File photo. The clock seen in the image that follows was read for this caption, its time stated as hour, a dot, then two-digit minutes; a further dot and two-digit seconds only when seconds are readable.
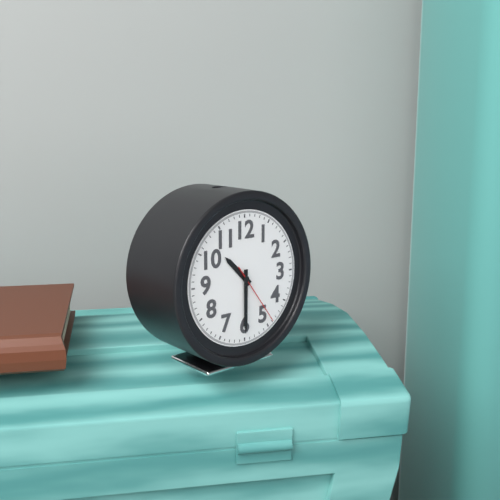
10.30.24
